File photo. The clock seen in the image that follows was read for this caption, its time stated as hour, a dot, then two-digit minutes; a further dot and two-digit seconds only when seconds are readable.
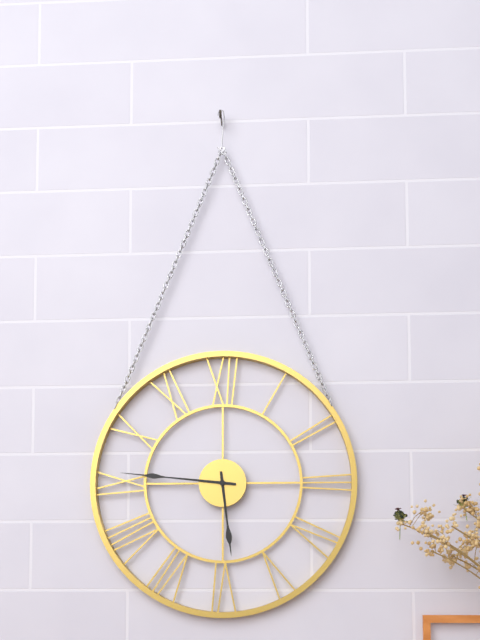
5.46
